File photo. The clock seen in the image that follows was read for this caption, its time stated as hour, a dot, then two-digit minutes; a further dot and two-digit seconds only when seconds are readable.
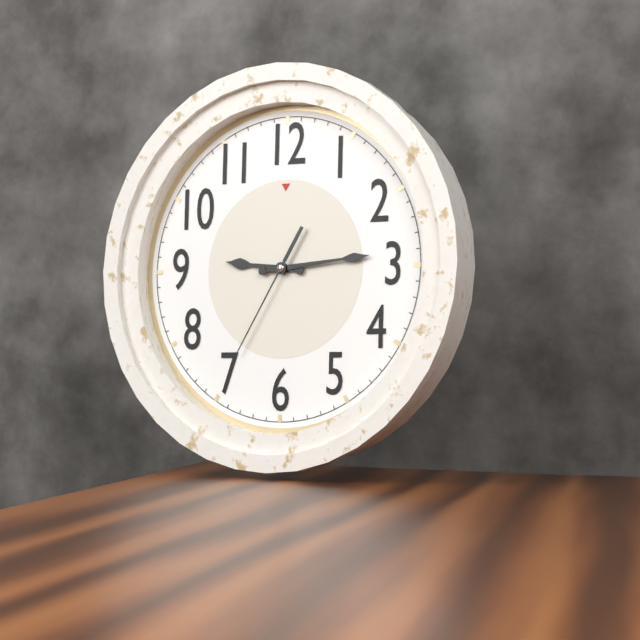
9.14.35
